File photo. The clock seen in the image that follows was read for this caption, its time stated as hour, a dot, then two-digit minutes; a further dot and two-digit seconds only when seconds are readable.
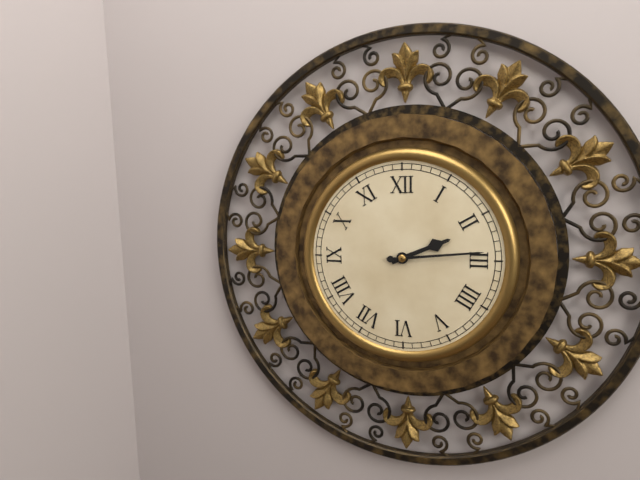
2.14
